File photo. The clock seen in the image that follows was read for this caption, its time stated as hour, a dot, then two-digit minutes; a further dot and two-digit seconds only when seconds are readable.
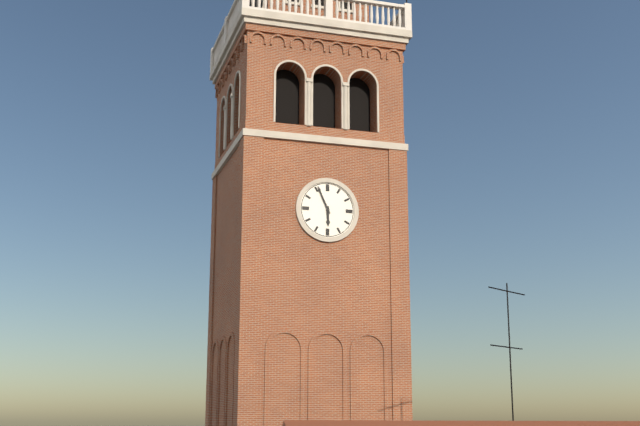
5.56
